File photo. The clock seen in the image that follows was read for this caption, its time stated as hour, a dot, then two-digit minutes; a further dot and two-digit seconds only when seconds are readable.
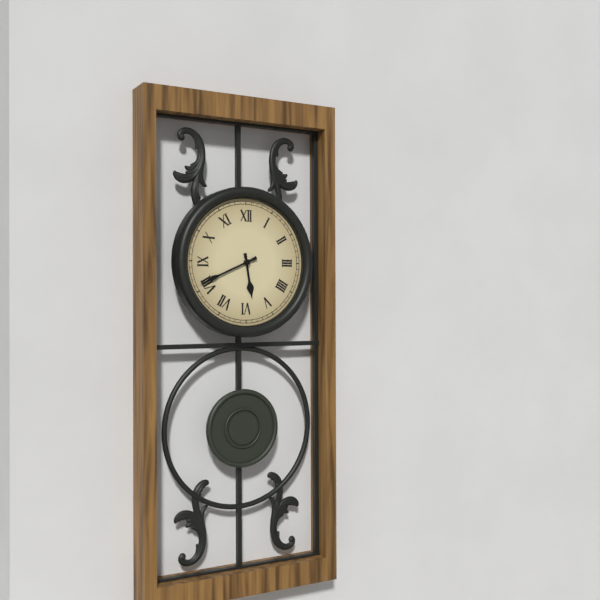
5.41
